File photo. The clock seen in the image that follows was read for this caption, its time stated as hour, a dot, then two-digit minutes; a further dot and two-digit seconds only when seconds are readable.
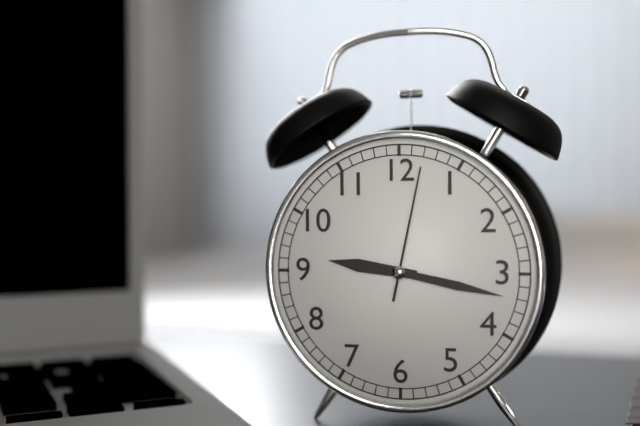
9.17.02
